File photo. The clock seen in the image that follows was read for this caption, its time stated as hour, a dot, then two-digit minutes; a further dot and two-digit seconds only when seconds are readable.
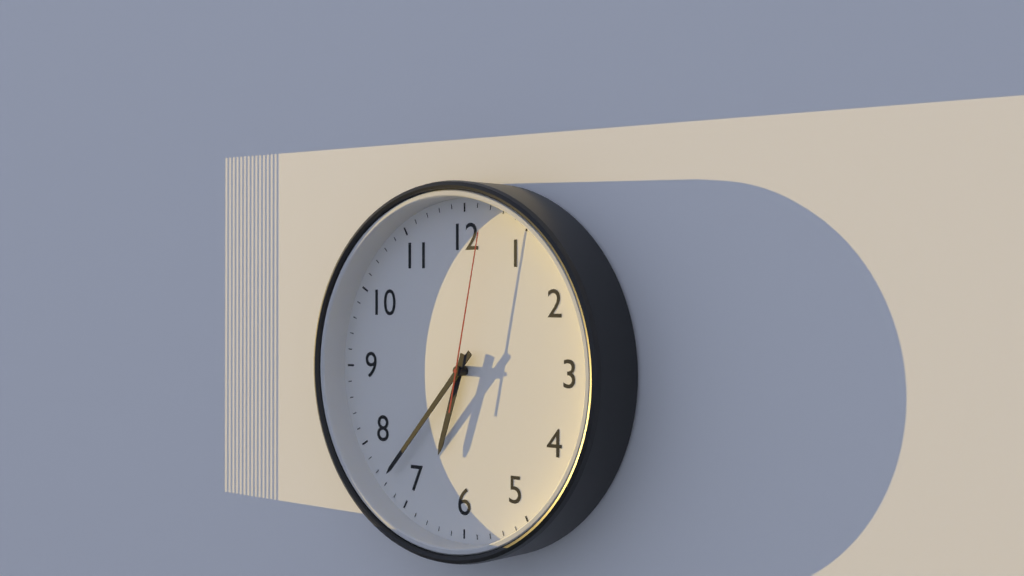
6.37.02
